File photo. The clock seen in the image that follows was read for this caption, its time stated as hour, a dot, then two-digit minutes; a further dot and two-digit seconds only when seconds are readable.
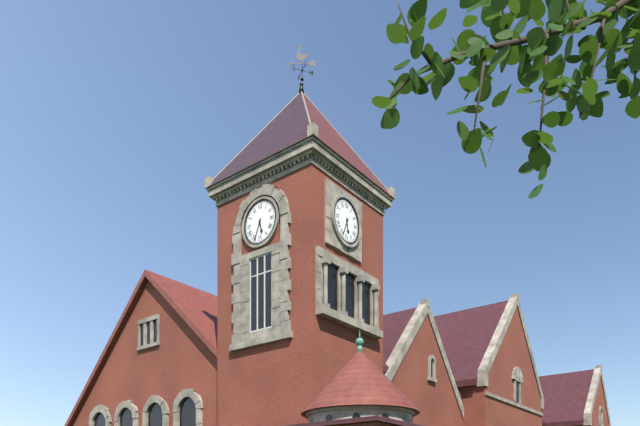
5.34
